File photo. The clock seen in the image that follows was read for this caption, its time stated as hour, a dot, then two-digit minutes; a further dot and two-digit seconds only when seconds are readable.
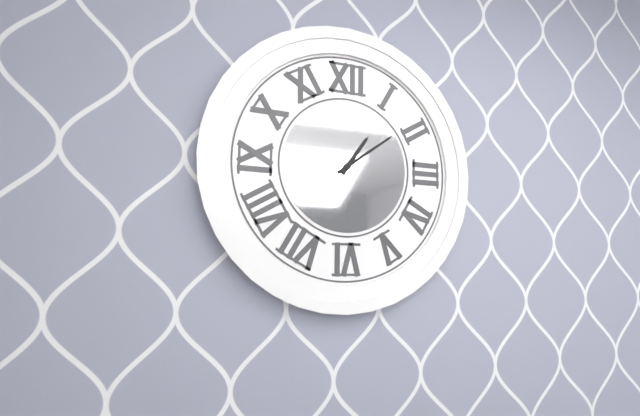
1.09
